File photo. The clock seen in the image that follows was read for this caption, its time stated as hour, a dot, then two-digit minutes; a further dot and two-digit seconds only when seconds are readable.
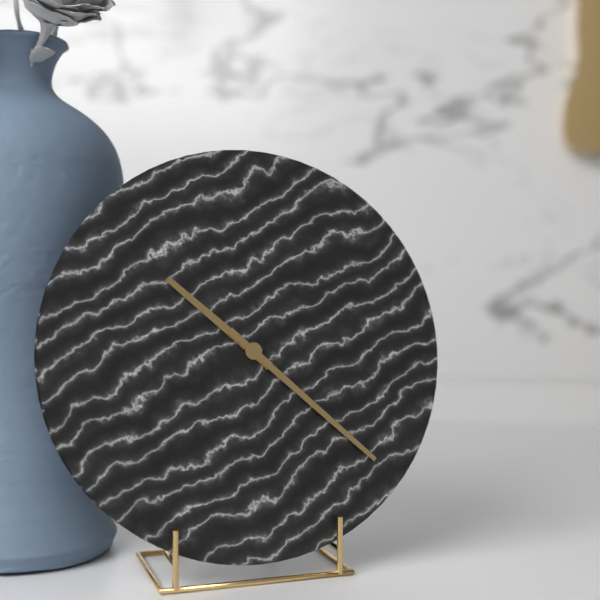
10.22
